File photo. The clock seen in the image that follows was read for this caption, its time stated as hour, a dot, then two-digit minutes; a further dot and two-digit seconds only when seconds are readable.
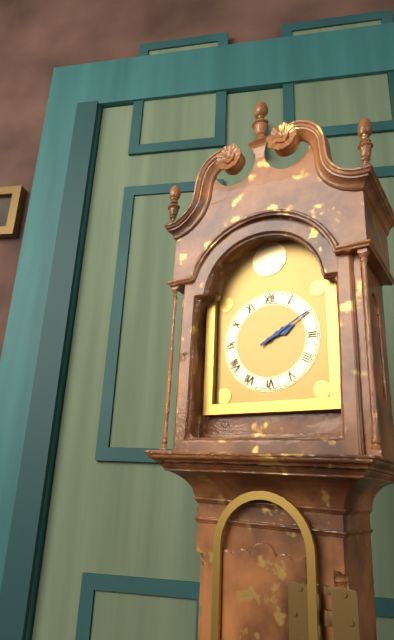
2.10
